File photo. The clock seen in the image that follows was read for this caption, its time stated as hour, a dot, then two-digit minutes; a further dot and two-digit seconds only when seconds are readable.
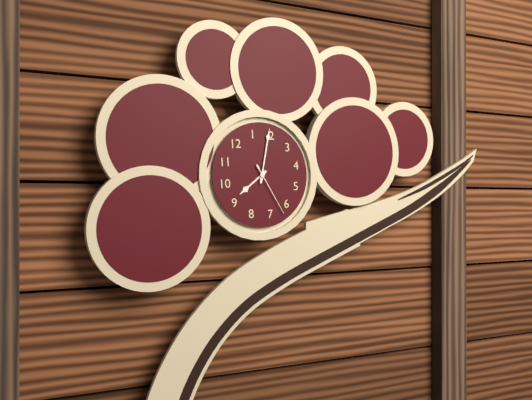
9.09.32
